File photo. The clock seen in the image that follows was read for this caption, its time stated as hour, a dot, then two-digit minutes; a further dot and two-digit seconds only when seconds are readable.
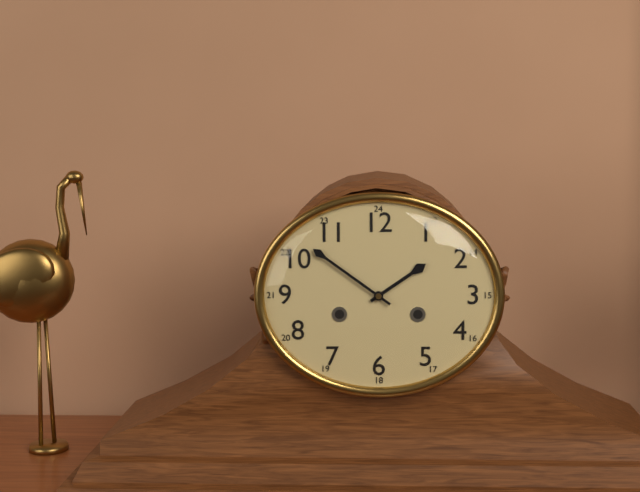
1.51
